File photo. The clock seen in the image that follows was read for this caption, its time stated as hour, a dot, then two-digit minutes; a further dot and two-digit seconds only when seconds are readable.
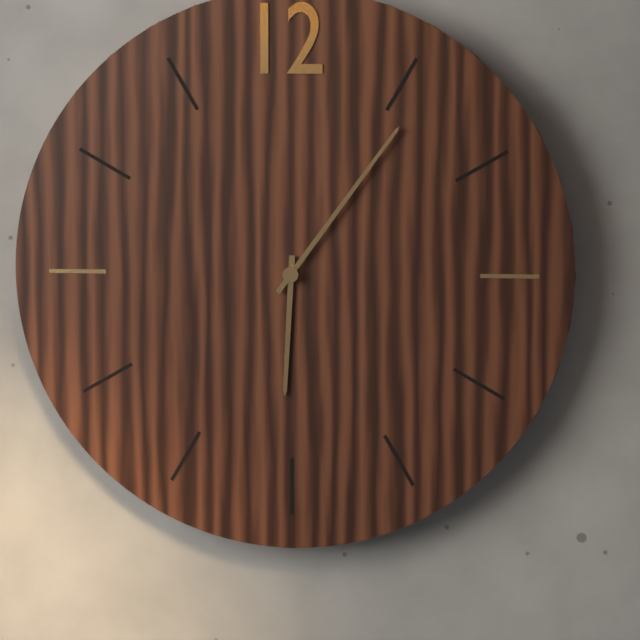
6.06
